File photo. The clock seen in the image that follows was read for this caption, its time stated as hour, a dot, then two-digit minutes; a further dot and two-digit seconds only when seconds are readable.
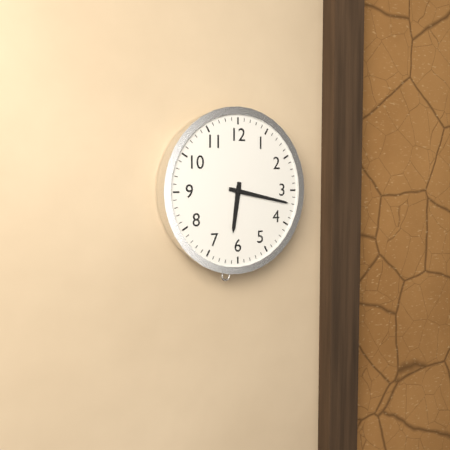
6.17
